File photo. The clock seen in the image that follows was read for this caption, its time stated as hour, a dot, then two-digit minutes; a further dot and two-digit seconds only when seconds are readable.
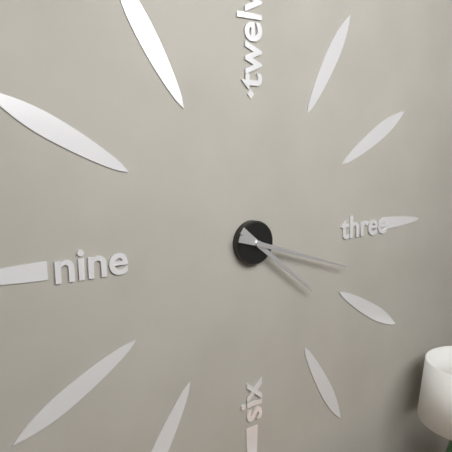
4.18
